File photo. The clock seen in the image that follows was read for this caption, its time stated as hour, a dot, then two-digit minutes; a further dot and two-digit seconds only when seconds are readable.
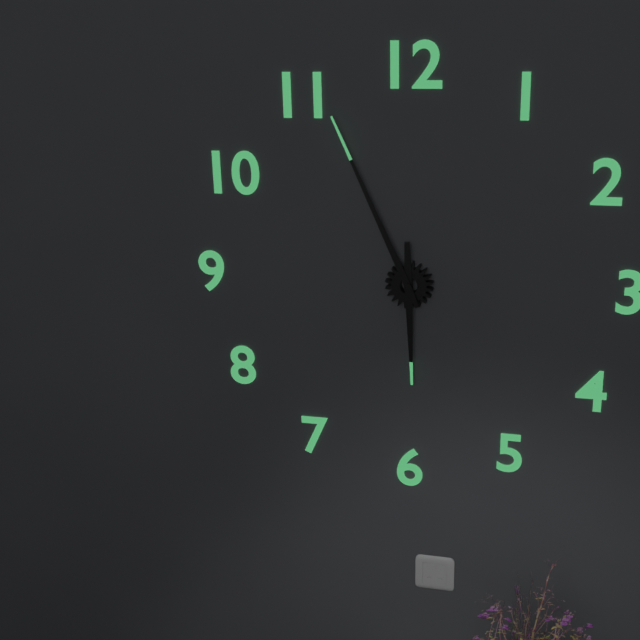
5.56
